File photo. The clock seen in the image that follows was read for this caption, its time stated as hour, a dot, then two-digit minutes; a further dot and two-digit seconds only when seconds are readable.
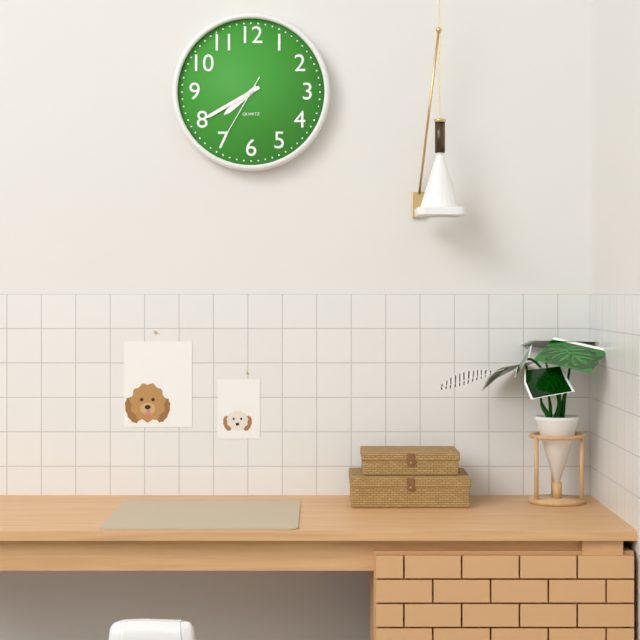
7.40.35
